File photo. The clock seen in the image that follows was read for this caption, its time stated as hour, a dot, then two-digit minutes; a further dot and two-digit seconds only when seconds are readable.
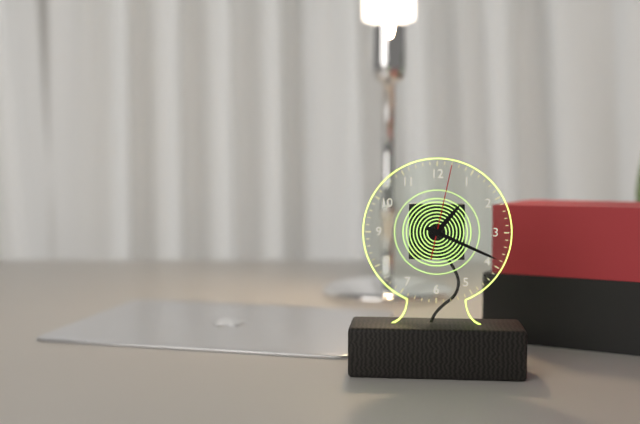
1.19.02
